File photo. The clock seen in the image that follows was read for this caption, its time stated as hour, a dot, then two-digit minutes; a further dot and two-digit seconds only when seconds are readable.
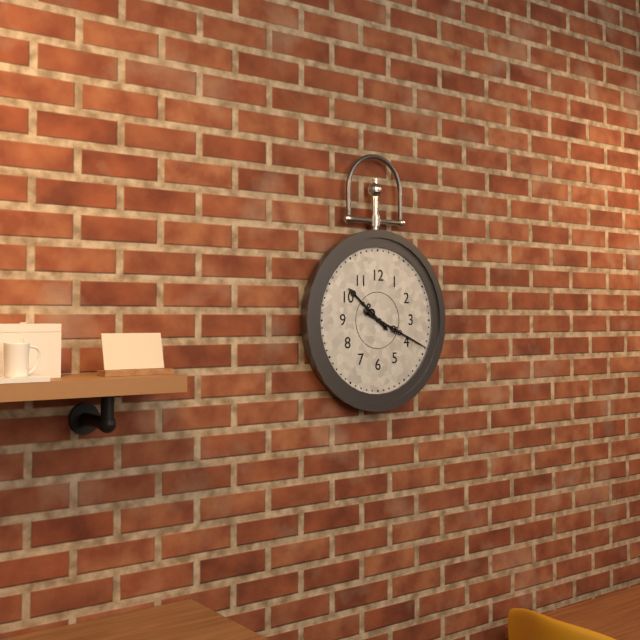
10.19
